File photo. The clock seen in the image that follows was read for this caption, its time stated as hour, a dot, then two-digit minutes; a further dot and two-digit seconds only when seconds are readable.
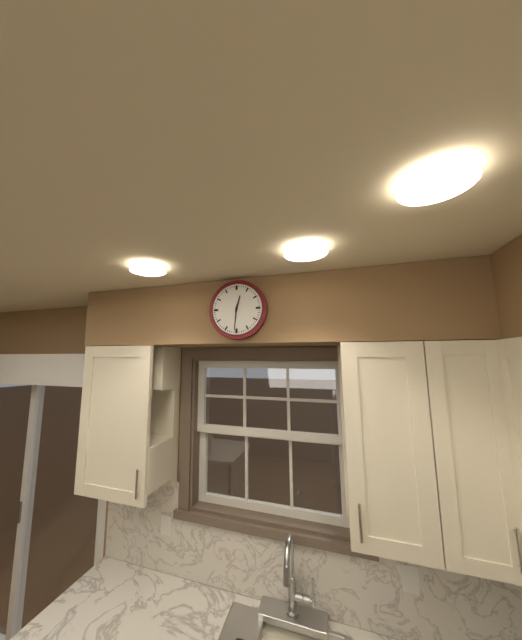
12.31
